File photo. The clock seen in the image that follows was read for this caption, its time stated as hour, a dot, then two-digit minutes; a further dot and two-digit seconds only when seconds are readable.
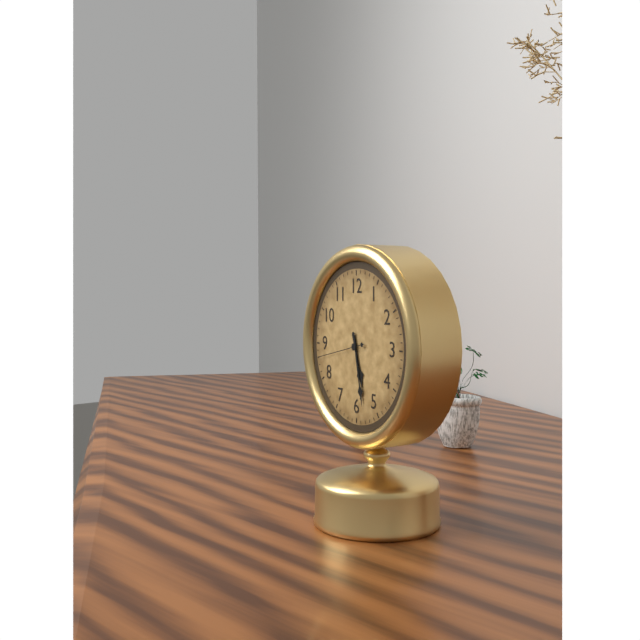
5.28
